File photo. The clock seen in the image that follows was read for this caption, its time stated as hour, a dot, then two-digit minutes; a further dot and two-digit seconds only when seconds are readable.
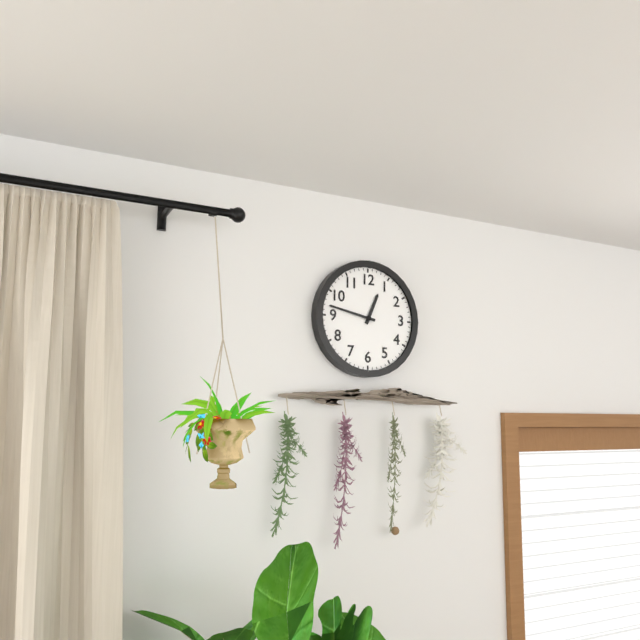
12.47
